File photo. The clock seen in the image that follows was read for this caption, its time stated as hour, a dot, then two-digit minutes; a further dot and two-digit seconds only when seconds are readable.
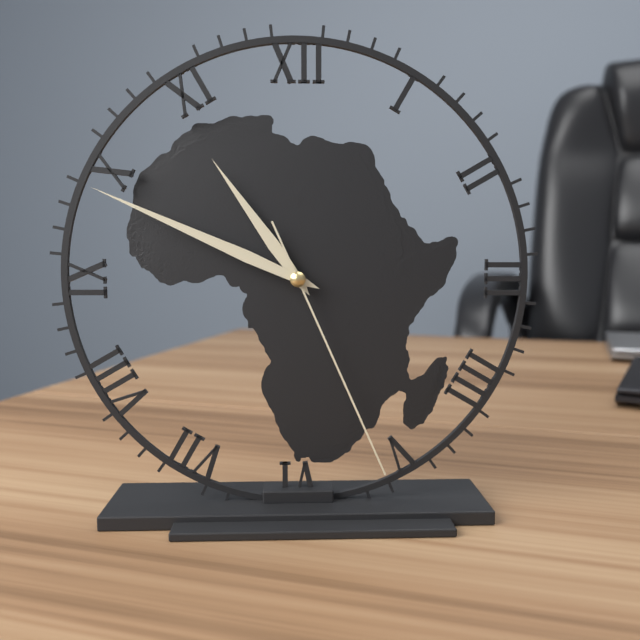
10.49.26
